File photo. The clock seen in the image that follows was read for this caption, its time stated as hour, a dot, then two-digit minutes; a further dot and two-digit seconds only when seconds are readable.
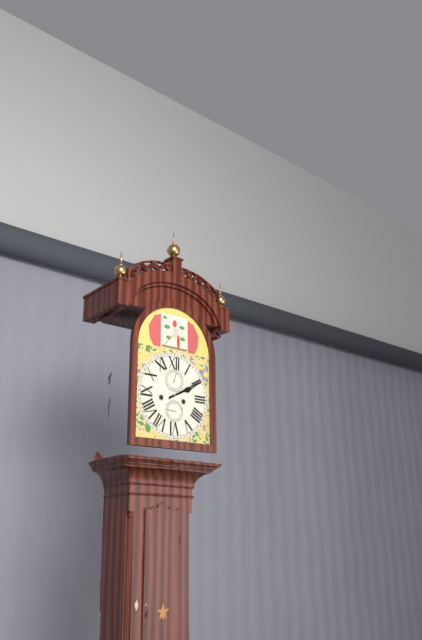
2.10
